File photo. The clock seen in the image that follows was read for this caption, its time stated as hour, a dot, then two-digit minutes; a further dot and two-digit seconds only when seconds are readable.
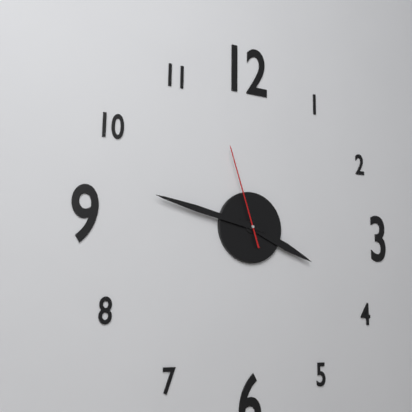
3.47.57
